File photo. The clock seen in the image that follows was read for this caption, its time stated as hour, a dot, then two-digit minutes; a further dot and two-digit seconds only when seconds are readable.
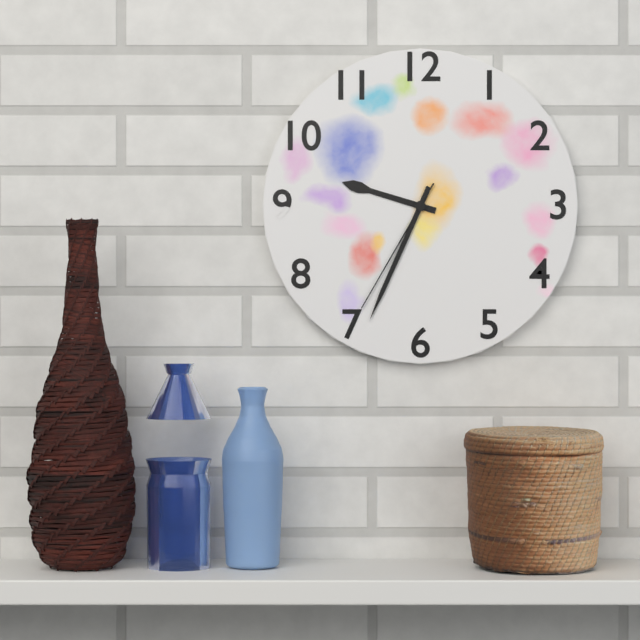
9.34.35
